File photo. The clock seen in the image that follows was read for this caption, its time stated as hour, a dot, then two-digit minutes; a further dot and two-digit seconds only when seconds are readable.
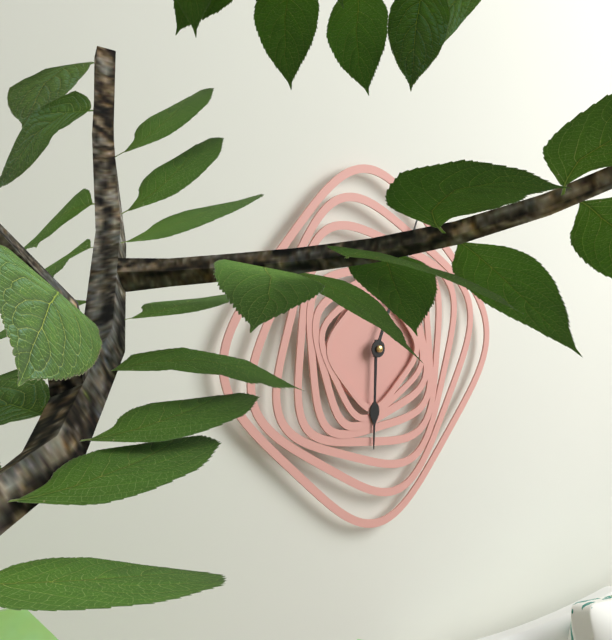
6.04
